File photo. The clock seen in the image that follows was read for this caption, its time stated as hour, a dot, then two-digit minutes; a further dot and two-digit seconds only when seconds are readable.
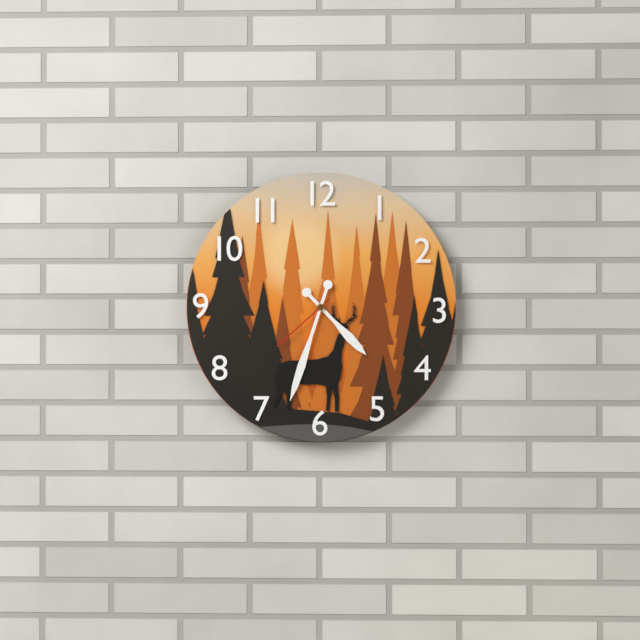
4.33.38
